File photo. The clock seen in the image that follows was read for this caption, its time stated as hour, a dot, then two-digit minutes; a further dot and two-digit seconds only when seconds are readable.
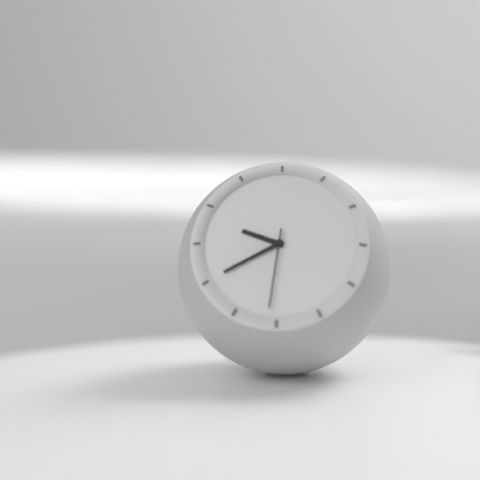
9.40.31
